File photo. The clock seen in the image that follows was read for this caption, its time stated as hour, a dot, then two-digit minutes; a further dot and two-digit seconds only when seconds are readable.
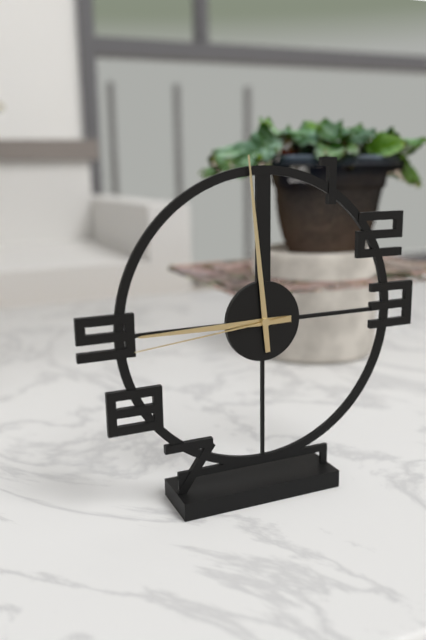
8.59.44
